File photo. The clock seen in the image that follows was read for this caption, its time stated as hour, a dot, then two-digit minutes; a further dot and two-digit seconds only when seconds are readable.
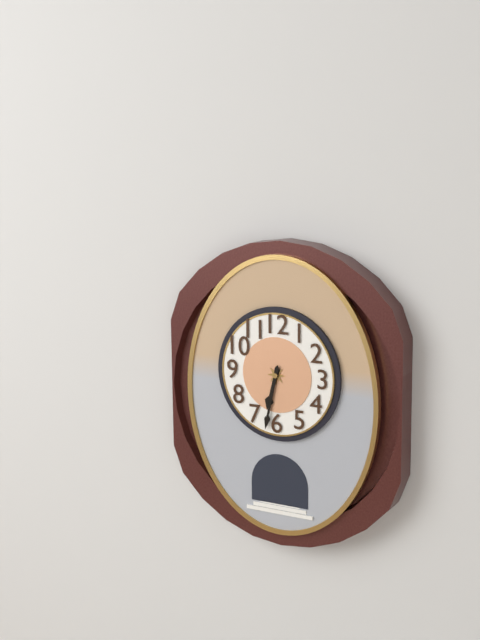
6.32
